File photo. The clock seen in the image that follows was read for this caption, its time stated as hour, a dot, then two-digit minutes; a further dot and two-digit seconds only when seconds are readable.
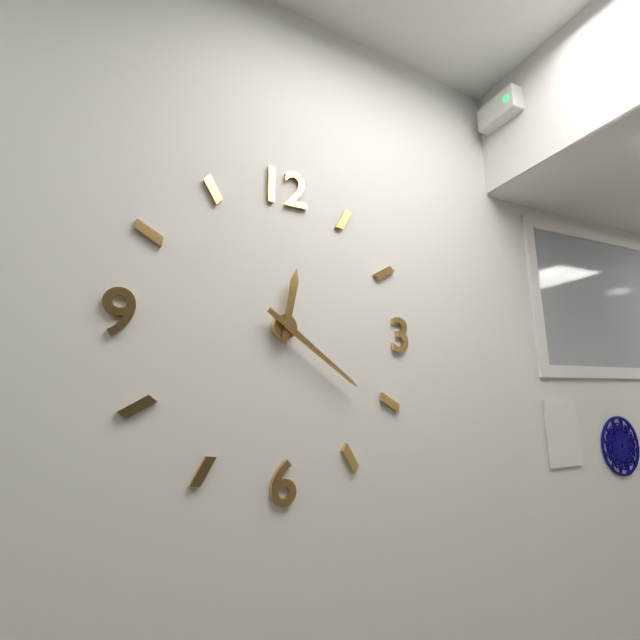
12.21
